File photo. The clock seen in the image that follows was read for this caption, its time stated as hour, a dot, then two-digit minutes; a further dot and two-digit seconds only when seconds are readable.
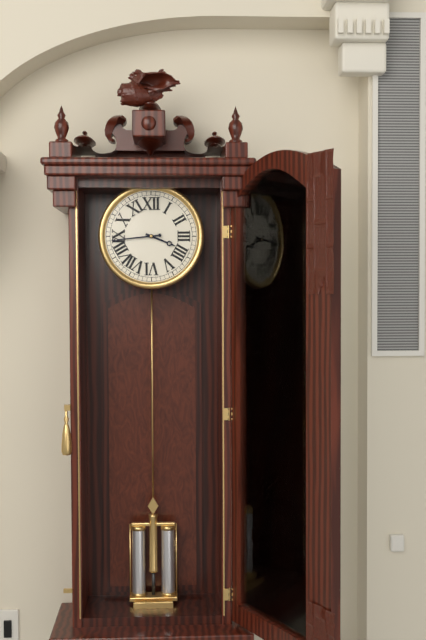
3.44
